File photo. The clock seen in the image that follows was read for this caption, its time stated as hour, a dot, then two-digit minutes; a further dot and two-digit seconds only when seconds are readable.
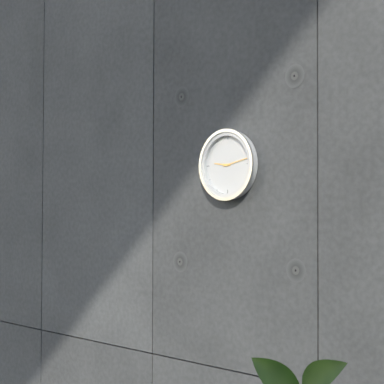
9.13
